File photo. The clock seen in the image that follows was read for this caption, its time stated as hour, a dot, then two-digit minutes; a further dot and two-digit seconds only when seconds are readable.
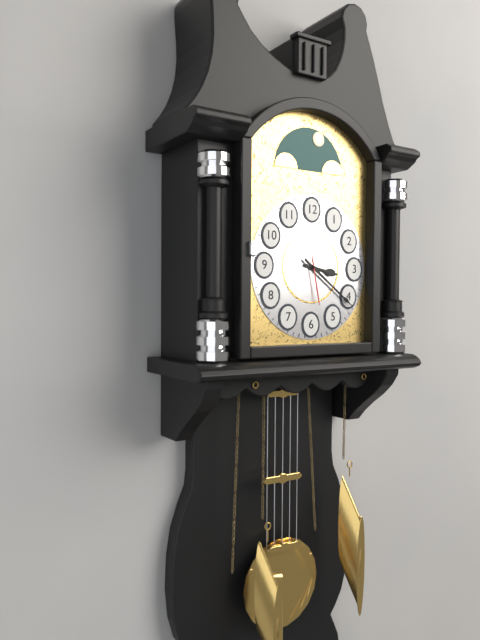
3.21
